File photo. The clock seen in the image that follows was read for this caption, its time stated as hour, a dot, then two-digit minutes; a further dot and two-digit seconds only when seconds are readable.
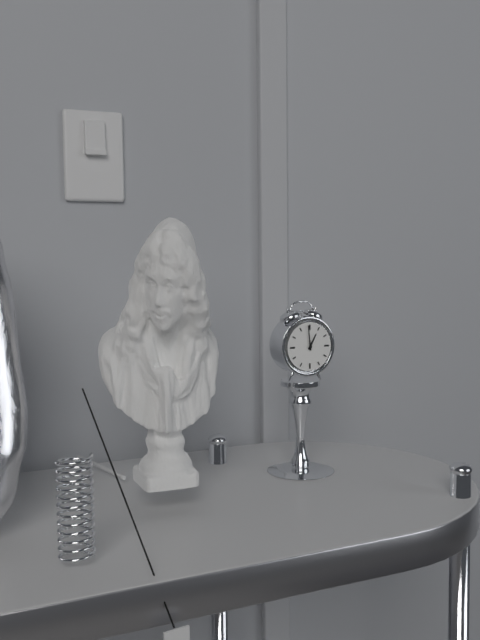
12.59
